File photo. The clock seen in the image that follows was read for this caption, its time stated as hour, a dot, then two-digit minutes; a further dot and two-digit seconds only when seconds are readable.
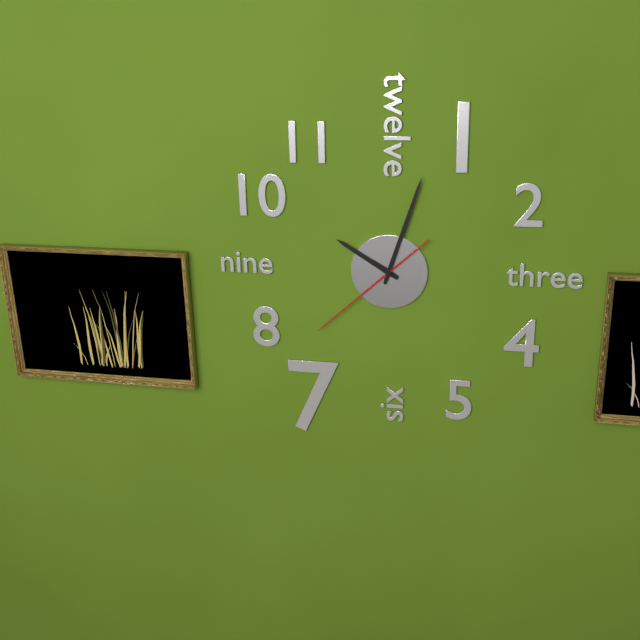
10.03.38
